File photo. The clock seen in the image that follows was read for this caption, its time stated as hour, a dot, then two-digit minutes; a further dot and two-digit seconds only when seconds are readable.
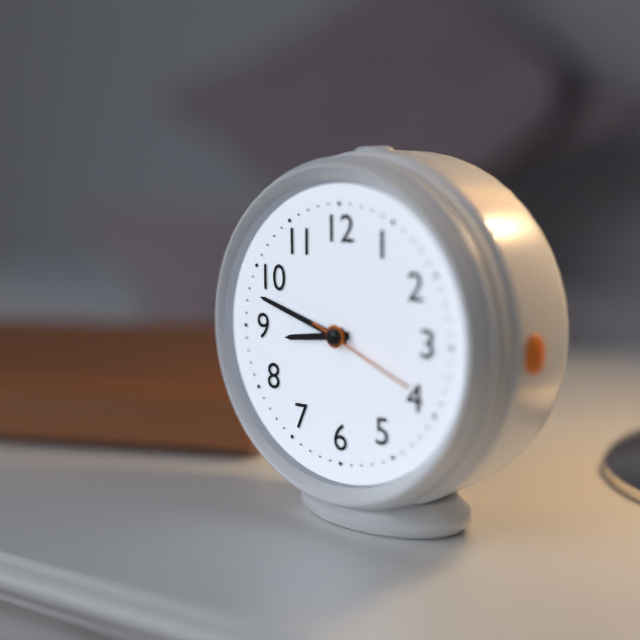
8.48.19
